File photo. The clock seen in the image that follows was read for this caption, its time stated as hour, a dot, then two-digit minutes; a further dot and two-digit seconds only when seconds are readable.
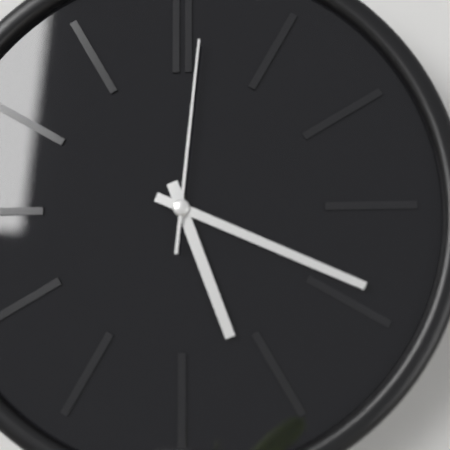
5.19.01
